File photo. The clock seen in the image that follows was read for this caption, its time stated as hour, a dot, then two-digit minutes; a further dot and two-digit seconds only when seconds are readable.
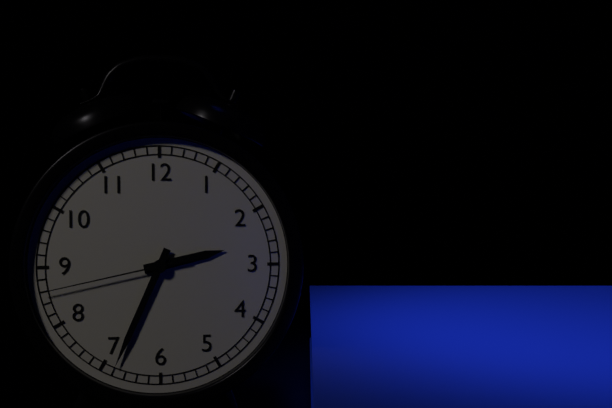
2.34.43
